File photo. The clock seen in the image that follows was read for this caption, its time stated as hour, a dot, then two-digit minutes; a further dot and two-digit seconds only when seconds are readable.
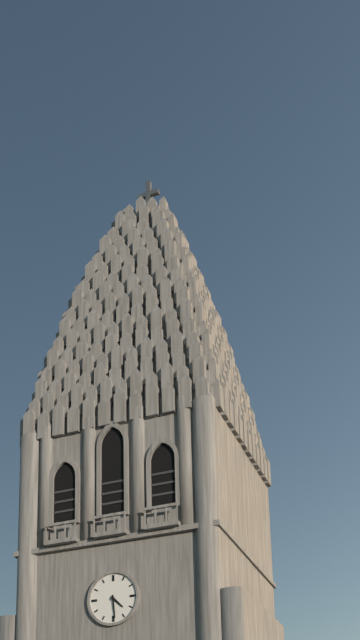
4.29
